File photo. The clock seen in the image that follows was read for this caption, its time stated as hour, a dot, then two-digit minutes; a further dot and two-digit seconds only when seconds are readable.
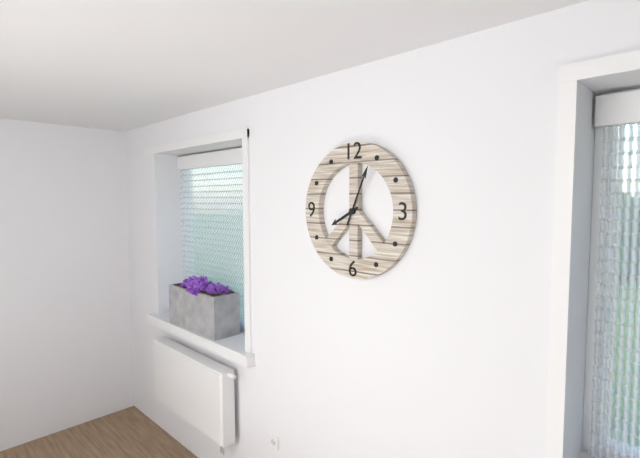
8.04
